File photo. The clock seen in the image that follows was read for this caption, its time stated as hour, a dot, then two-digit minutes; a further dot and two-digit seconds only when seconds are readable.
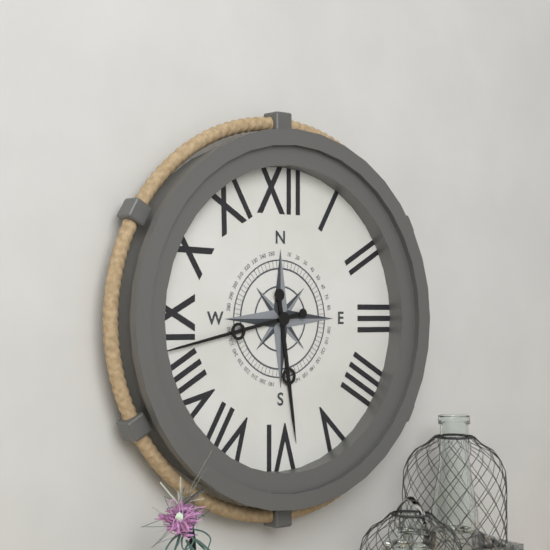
5.43
